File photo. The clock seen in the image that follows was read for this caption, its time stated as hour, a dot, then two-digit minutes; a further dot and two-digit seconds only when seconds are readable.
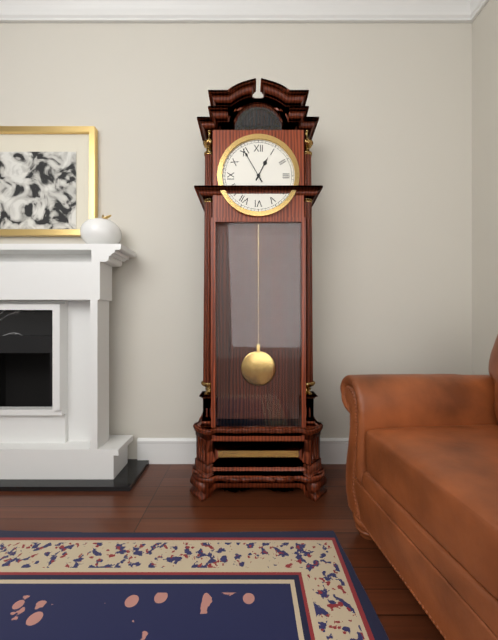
12.55
